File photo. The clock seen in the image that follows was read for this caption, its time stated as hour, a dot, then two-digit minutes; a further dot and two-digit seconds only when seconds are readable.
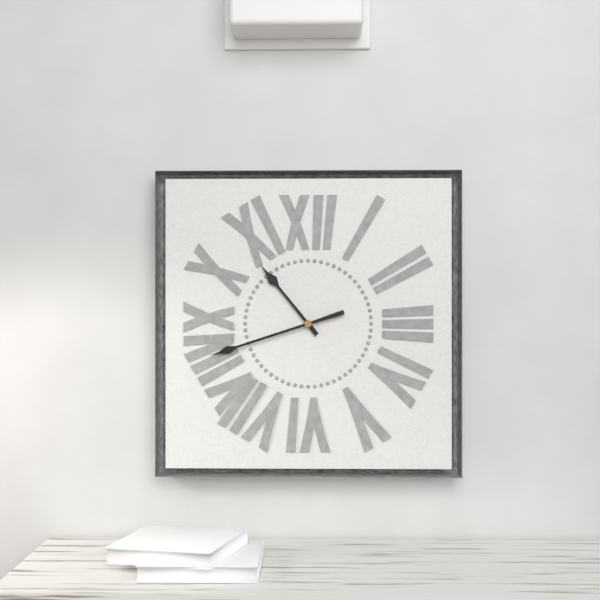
10.42
